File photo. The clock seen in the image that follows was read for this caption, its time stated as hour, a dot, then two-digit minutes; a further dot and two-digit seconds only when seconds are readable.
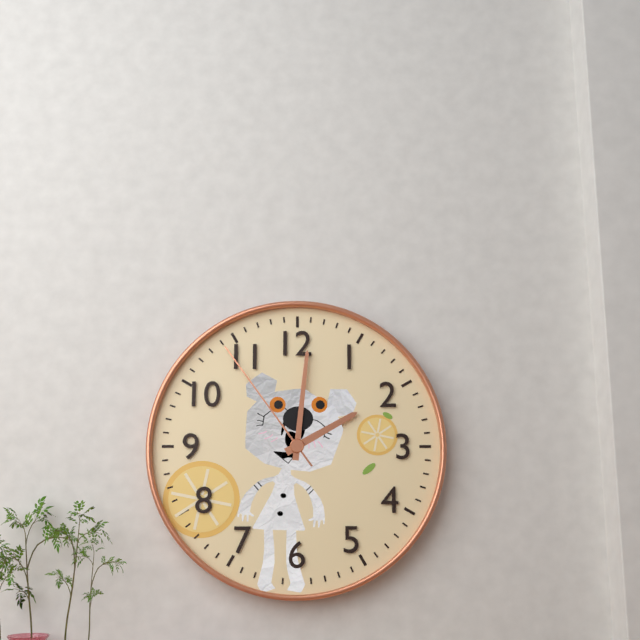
2.01.54
